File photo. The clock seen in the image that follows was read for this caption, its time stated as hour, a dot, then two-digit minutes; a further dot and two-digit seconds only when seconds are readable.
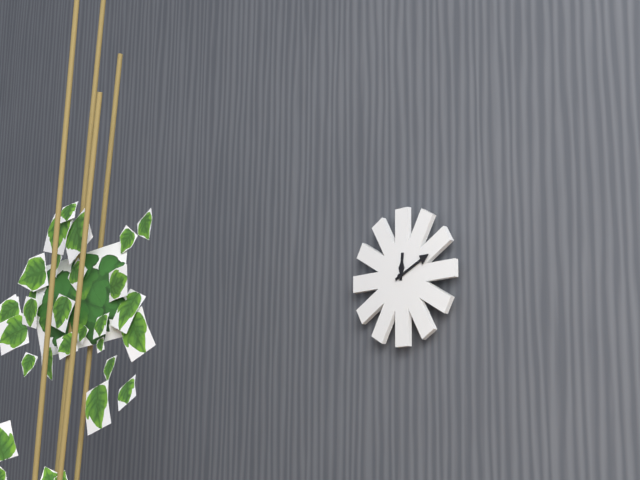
12.11
